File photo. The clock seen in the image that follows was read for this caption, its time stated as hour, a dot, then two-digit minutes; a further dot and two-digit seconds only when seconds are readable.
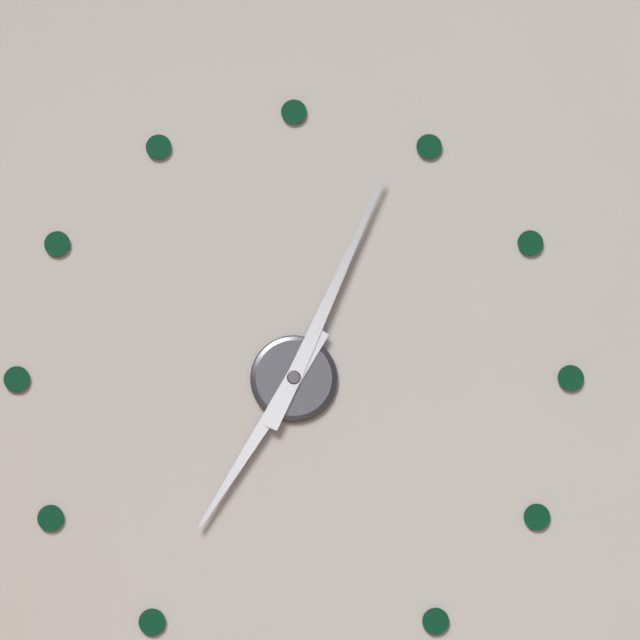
7.04
